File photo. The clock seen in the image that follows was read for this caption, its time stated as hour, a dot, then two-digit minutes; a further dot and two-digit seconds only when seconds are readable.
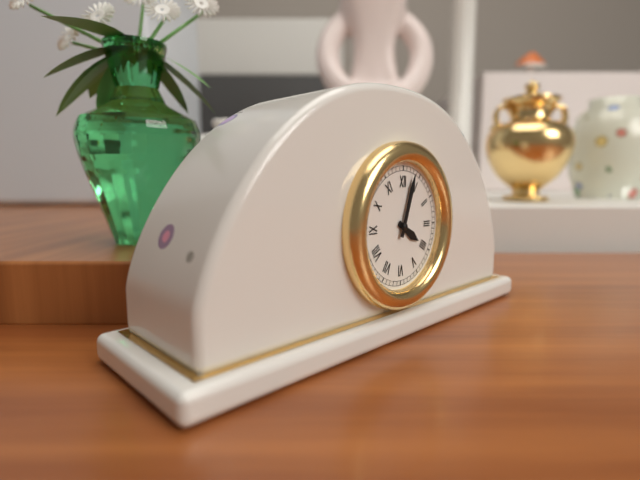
4.03
